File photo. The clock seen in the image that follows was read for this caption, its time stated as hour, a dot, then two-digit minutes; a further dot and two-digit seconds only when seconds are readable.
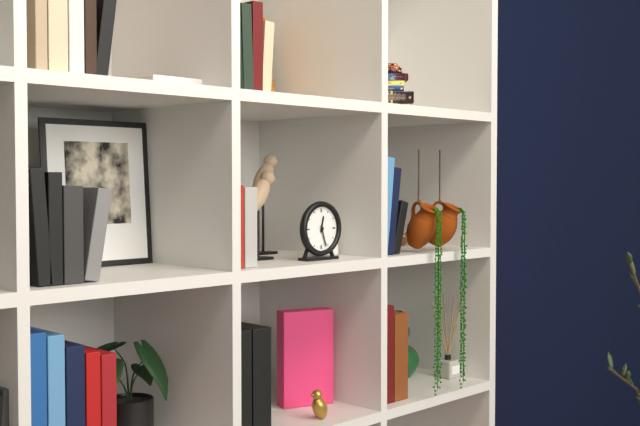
12.27
